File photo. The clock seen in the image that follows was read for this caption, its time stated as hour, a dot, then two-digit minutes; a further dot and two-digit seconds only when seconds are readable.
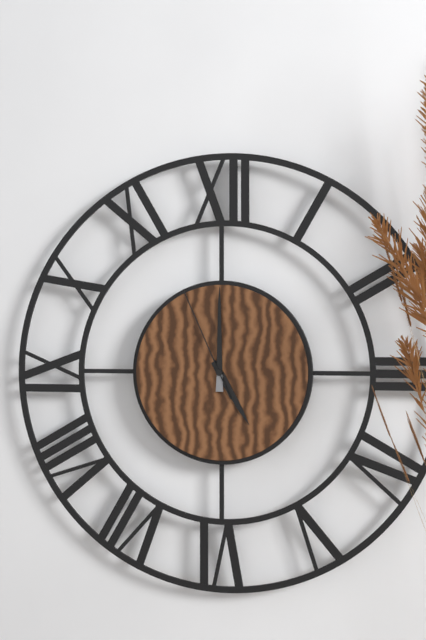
5.00.56
